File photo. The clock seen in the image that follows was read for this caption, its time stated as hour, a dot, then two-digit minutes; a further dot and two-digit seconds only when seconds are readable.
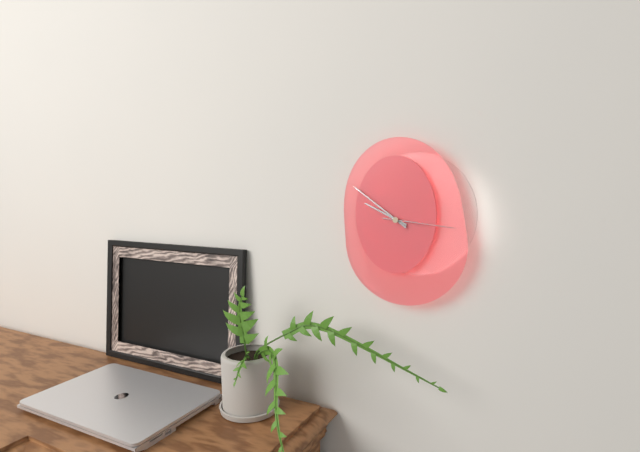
9.51.16
